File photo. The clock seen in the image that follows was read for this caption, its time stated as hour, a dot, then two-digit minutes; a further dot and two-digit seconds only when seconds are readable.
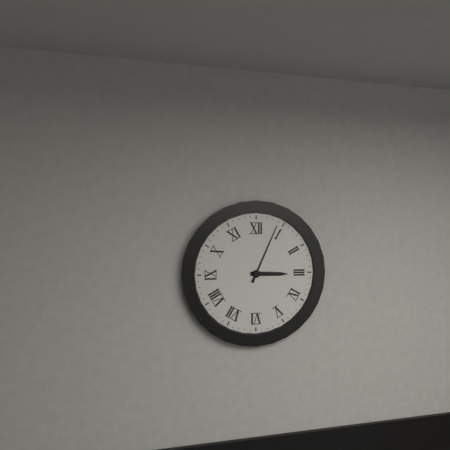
3.04
